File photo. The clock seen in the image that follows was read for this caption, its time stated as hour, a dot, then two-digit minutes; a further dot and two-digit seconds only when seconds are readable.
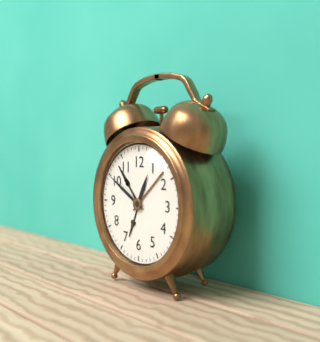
12.50
